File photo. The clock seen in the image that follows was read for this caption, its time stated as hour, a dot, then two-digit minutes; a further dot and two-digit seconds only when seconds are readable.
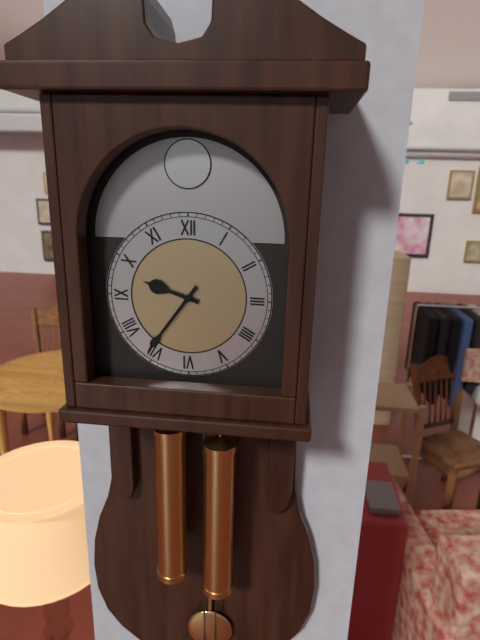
9.36
